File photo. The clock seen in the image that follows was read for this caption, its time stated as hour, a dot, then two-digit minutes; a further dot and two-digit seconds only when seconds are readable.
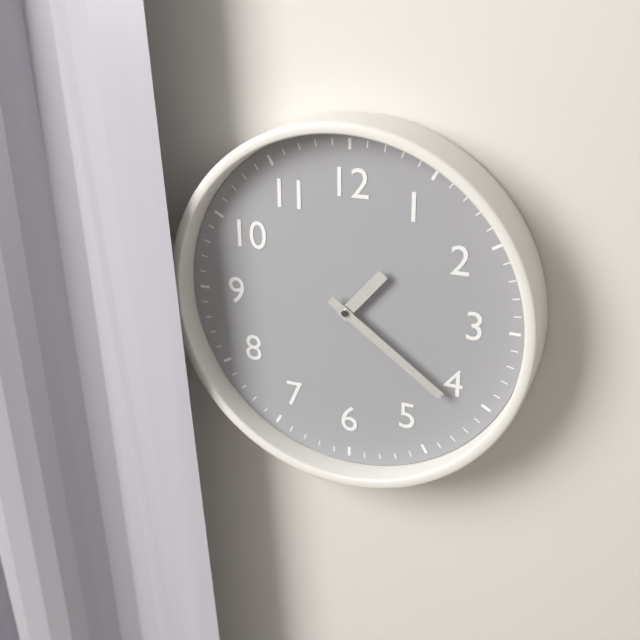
1.21
